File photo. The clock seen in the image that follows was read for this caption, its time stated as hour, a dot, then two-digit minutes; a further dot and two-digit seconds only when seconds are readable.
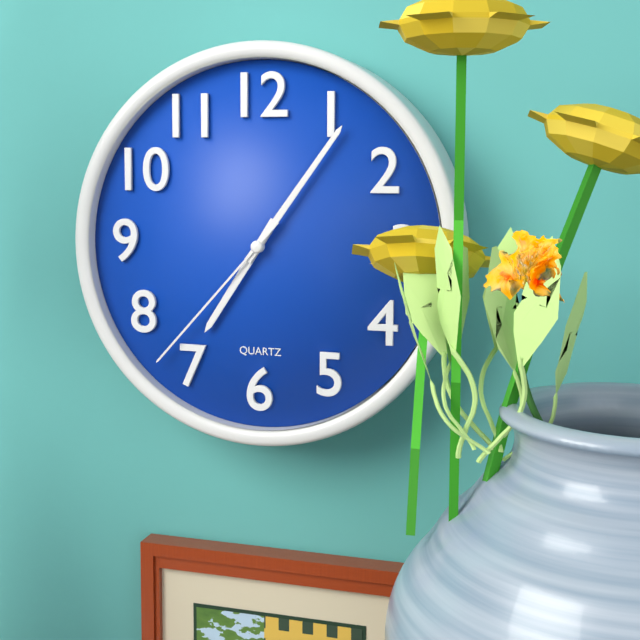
7.06.37
